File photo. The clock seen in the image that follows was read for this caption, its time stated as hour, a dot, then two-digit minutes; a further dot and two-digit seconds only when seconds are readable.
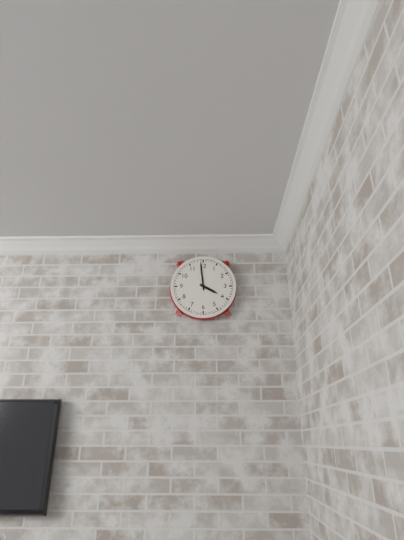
3.59
